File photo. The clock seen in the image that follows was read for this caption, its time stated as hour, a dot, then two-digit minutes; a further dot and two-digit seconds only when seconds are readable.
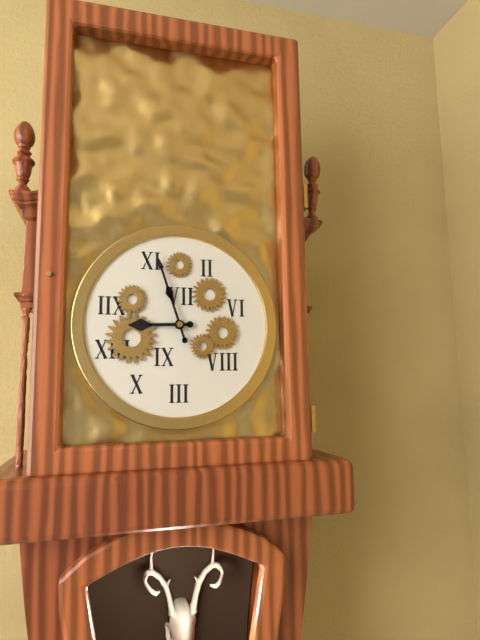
8.57
